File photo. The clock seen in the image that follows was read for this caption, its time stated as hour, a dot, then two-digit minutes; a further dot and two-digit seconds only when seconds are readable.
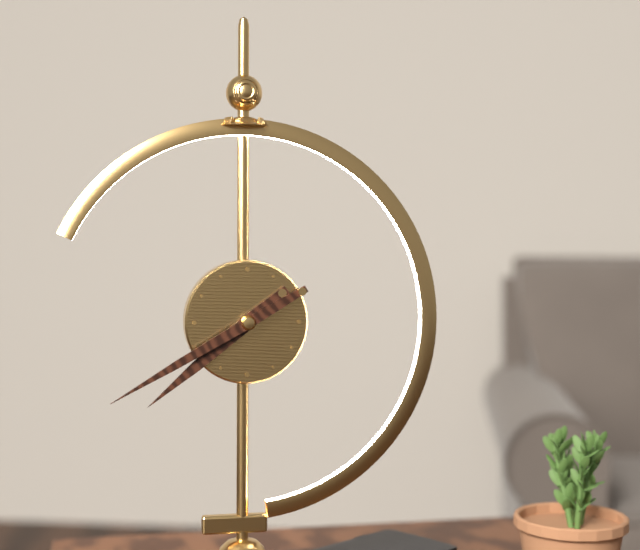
7.40
